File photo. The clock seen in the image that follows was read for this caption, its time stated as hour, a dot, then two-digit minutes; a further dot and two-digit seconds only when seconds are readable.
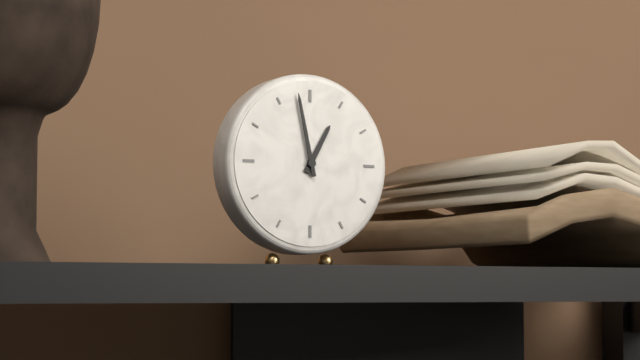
12.58
